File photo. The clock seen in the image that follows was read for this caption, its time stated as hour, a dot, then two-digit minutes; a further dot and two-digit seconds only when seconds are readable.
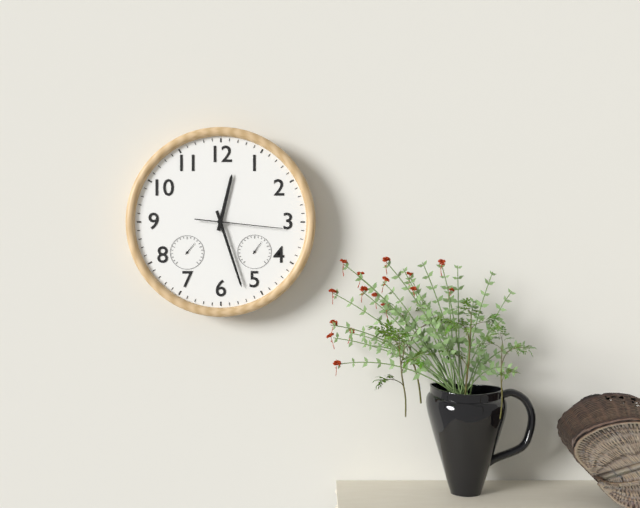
12.27.16
